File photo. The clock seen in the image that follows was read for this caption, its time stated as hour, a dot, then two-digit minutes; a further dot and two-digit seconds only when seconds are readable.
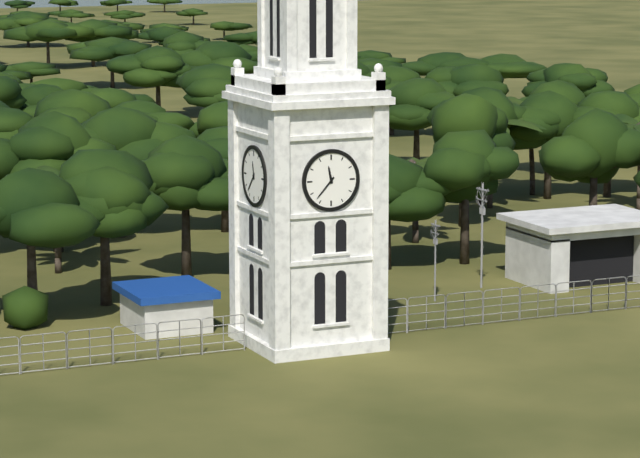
11.37
